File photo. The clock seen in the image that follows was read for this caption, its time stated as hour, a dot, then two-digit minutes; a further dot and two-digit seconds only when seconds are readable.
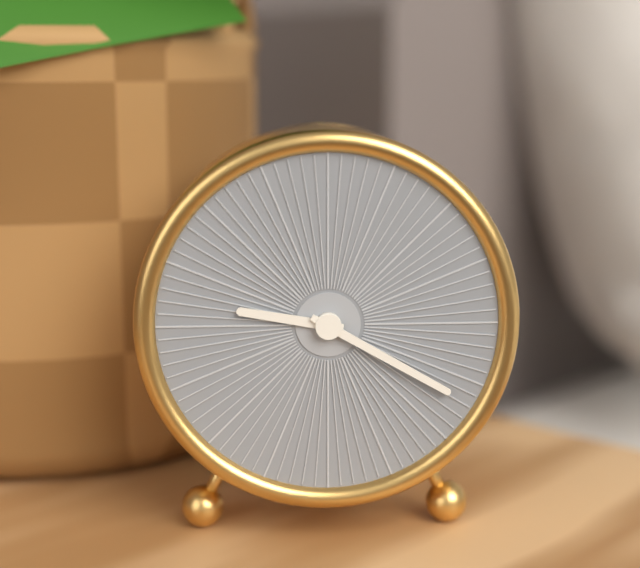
9.20
